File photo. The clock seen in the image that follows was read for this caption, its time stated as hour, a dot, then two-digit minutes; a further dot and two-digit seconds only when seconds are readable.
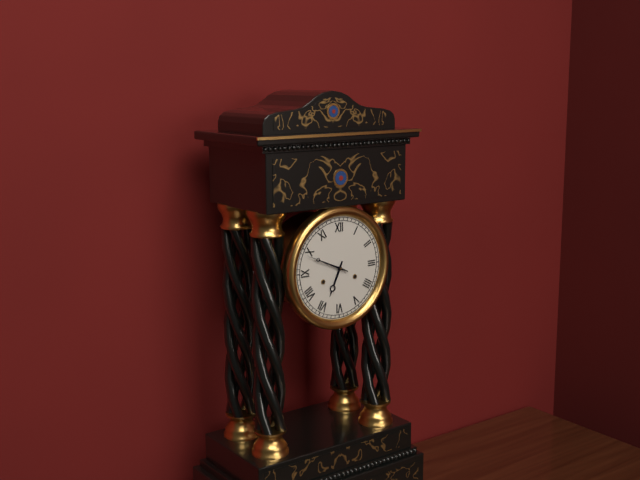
6.49
